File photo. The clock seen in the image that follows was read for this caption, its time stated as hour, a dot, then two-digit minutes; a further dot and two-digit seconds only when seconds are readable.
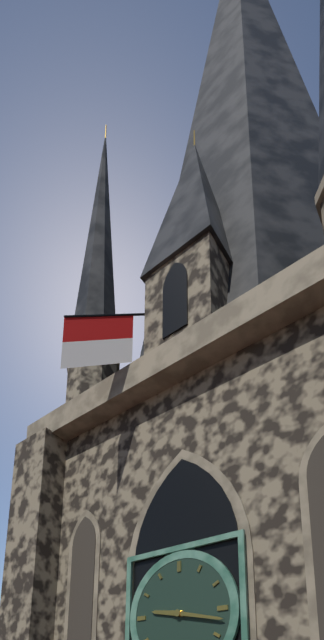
9.17
